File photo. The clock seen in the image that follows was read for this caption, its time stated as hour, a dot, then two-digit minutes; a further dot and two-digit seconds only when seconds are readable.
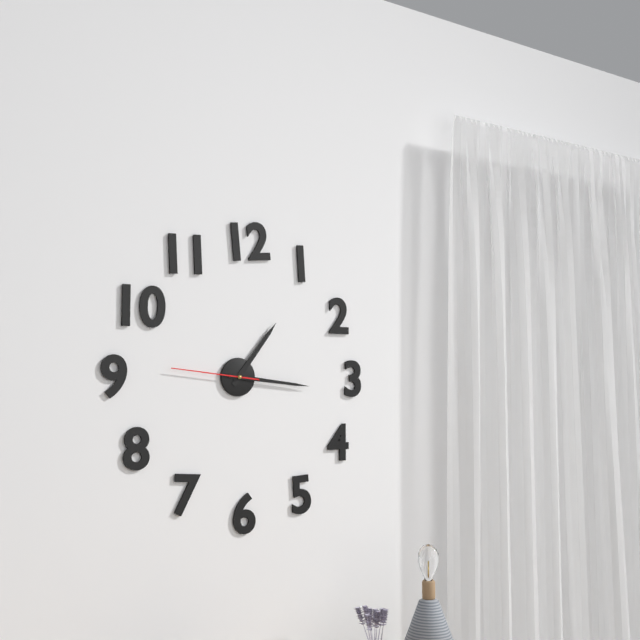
1.16.46
